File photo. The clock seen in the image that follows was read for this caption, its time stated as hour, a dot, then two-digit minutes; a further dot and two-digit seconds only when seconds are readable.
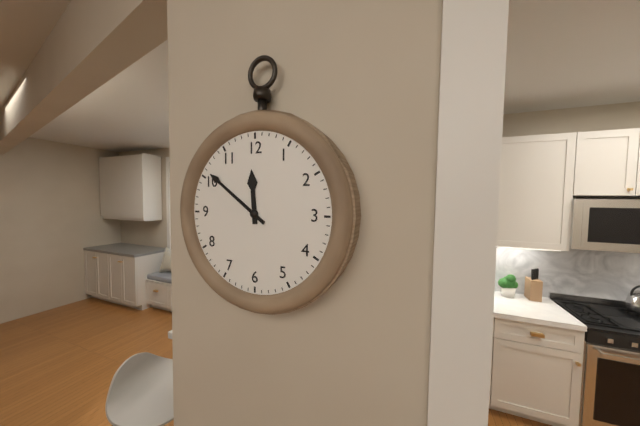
11.51
